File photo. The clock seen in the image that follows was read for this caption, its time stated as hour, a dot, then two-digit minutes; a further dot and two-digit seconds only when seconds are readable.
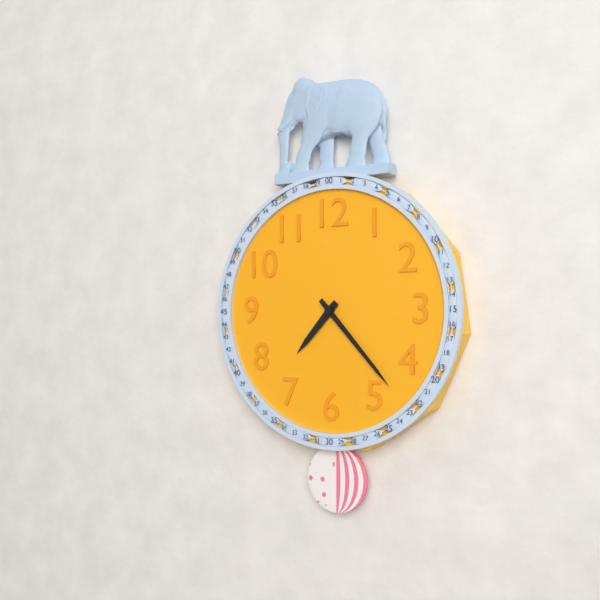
7.23
